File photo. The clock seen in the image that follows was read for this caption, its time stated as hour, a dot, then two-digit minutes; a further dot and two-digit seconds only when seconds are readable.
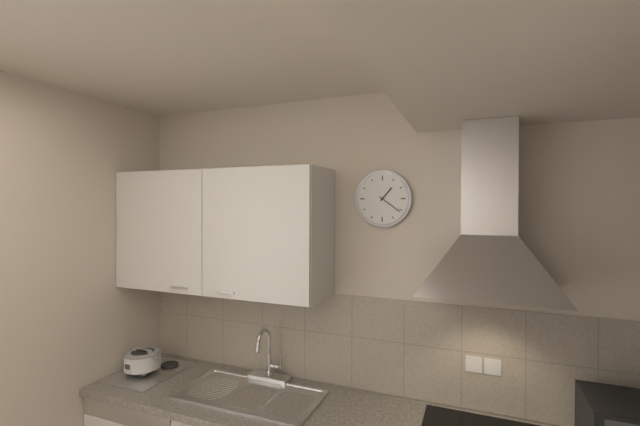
1.21
